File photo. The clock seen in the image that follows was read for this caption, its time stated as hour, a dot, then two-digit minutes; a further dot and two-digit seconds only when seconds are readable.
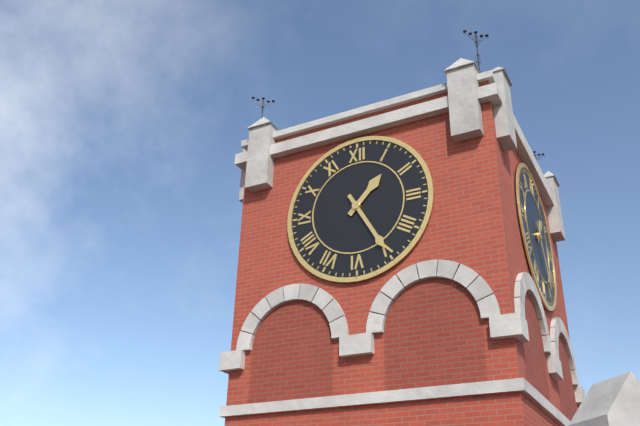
1.25
